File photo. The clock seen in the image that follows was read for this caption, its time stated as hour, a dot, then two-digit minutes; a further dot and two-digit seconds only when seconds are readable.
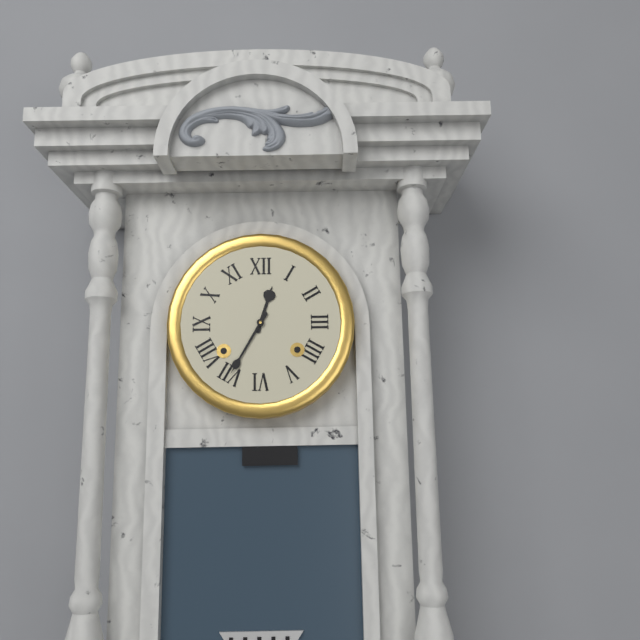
12.35
